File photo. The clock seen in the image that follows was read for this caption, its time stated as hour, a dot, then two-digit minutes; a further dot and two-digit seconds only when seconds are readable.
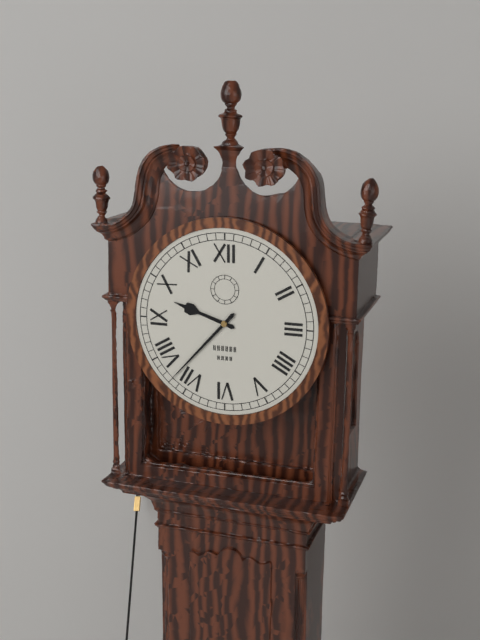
9.37
